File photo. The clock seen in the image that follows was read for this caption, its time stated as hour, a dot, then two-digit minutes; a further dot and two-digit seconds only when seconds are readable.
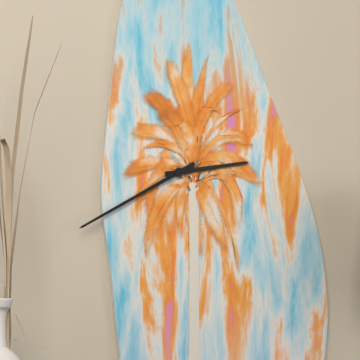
2.40
